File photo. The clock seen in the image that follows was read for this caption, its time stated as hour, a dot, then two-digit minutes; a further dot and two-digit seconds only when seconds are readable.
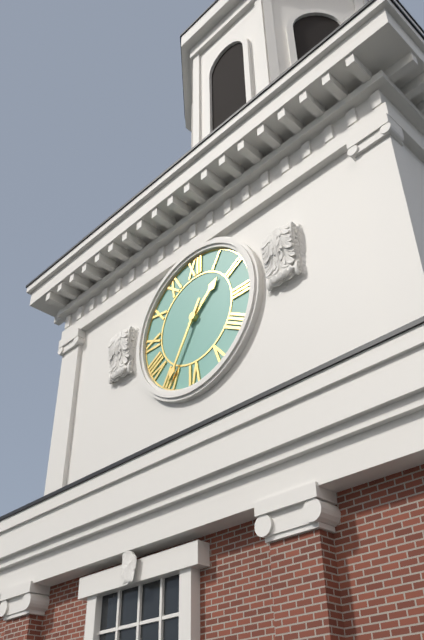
1.35
